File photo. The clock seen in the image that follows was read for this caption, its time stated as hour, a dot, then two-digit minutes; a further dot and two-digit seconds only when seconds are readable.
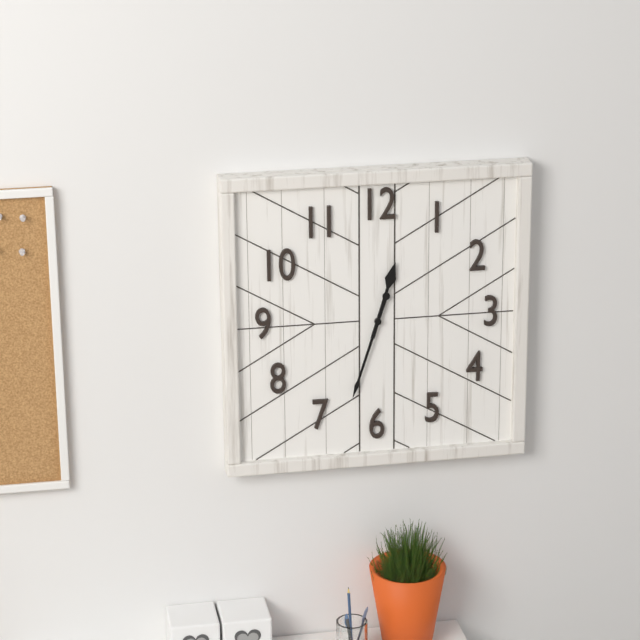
12.33
